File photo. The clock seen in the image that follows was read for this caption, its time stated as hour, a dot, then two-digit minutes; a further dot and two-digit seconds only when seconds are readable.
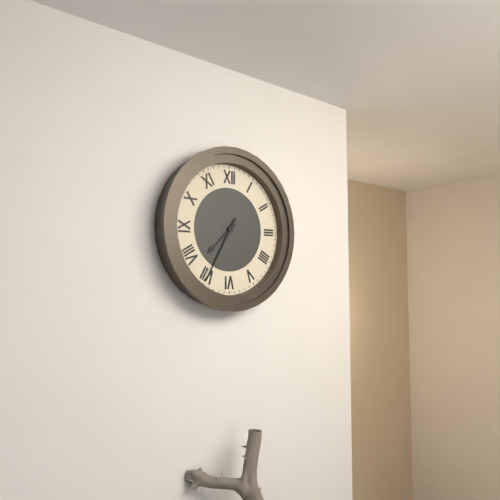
7.35
